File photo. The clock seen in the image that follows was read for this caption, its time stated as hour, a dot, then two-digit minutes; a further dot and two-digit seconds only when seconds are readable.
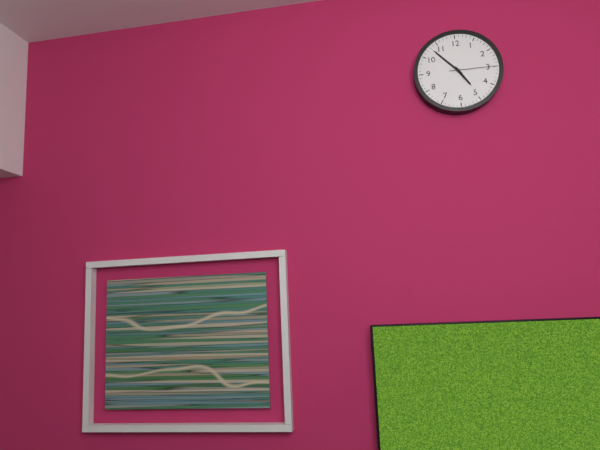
4.53
